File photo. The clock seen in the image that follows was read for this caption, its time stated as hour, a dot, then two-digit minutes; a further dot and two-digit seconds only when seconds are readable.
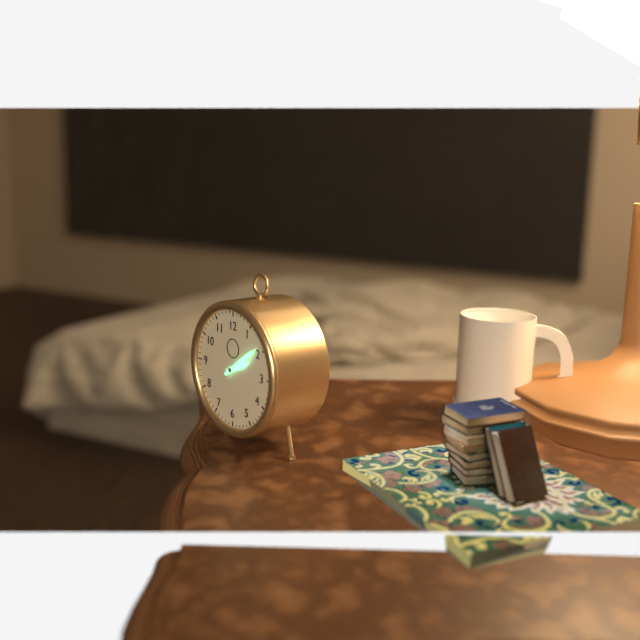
2.09
